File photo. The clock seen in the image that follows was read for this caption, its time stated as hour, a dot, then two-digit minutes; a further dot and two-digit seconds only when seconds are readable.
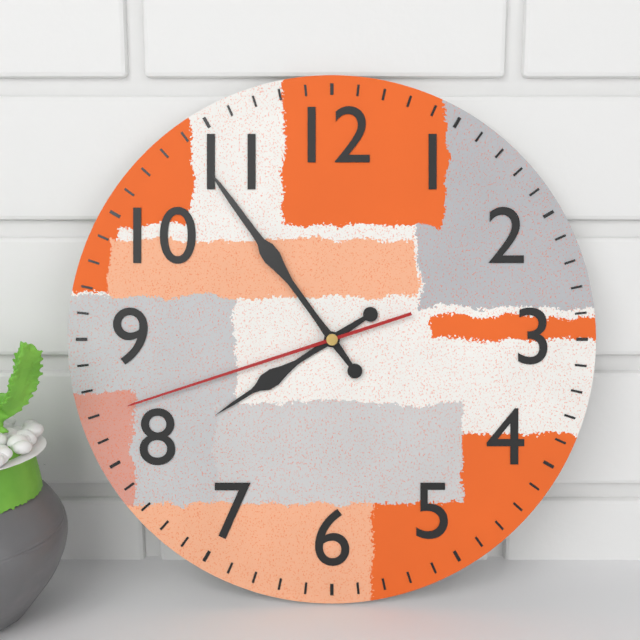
7.54.42
